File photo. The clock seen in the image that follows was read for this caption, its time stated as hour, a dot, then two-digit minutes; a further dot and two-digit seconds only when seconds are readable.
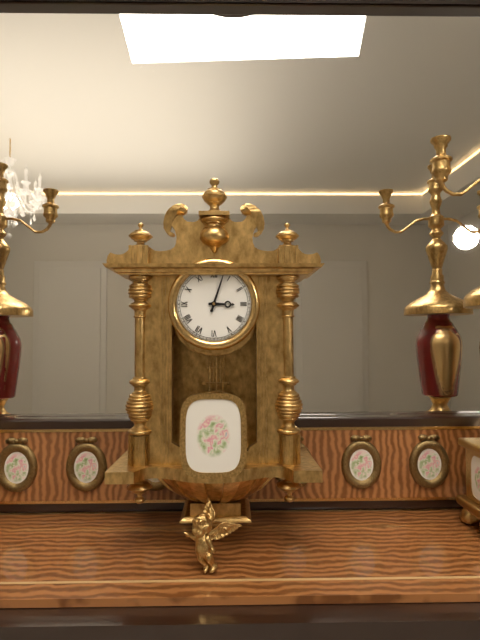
3.03
